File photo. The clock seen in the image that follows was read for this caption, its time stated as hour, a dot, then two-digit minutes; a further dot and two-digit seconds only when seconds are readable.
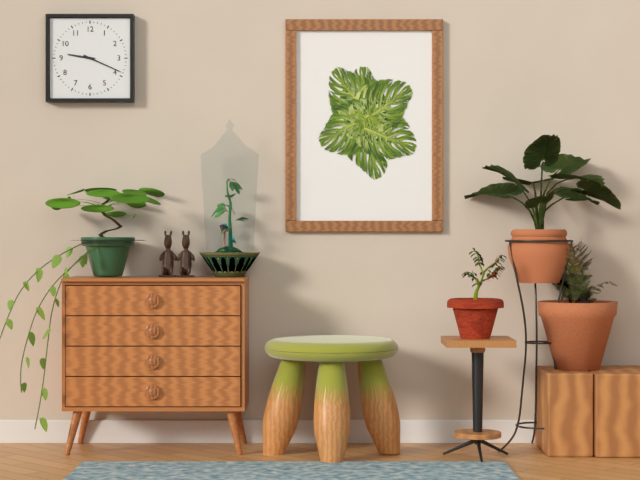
9.19
